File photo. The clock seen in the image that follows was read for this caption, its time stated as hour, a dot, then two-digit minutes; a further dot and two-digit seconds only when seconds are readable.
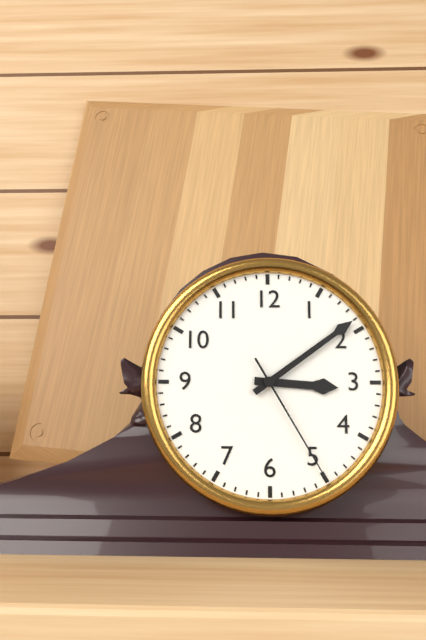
3.09.25
